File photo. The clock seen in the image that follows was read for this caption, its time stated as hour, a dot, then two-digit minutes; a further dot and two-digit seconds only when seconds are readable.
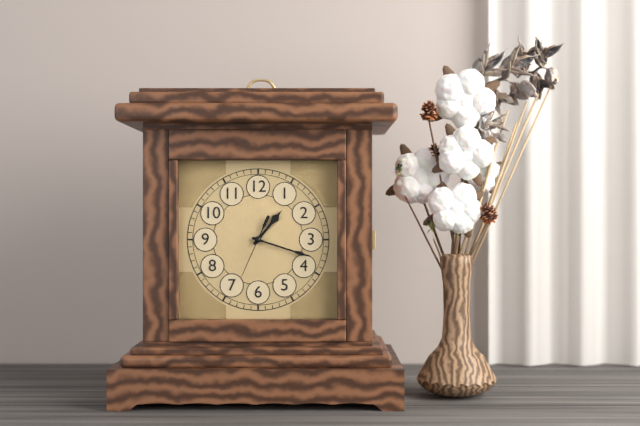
1.18.34
